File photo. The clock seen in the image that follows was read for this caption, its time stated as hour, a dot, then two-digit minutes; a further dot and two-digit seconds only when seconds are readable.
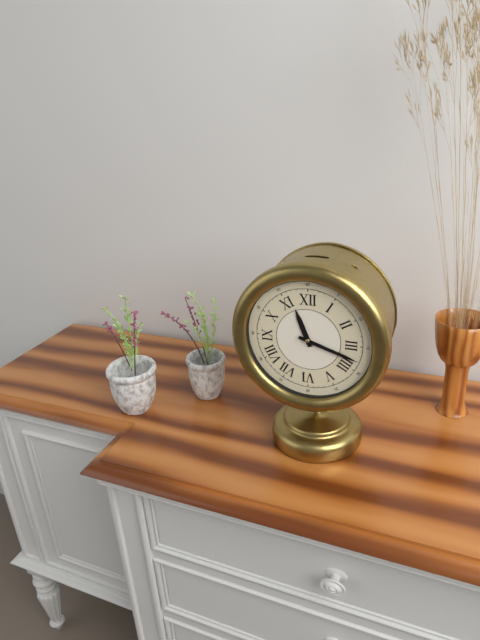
11.18
